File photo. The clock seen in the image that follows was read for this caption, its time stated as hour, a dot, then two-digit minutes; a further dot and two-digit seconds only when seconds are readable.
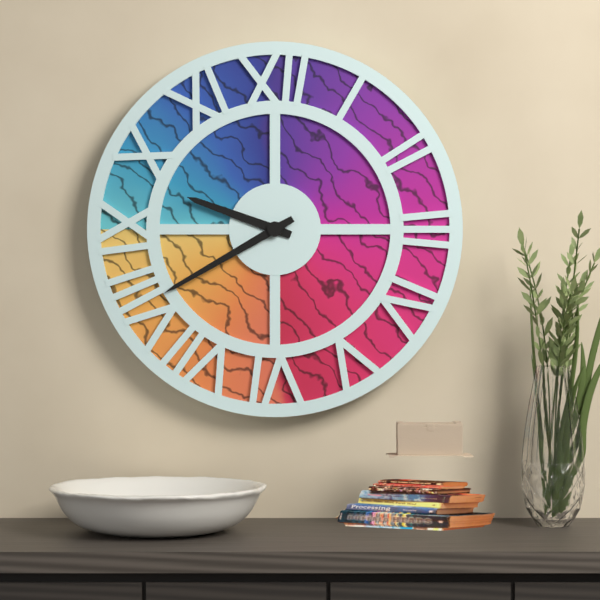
9.40
